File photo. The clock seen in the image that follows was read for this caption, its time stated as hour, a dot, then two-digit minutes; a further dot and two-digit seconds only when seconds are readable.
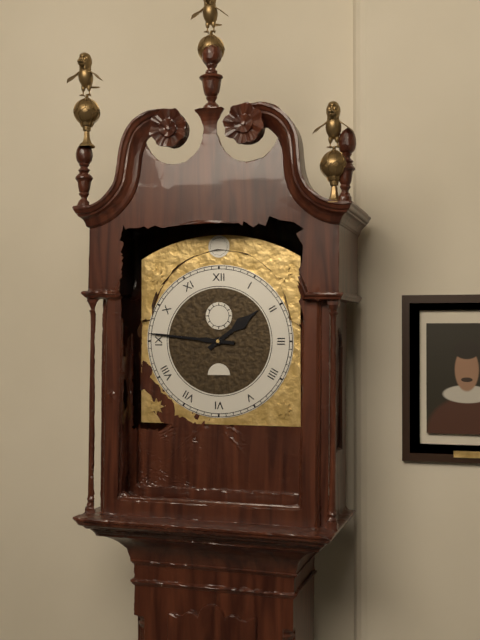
1.46
